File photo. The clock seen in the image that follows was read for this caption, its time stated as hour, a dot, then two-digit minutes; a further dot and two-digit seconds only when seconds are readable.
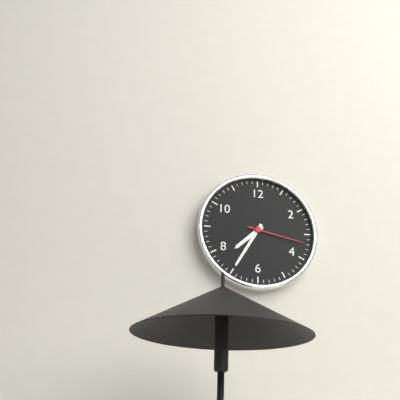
7.35.17
